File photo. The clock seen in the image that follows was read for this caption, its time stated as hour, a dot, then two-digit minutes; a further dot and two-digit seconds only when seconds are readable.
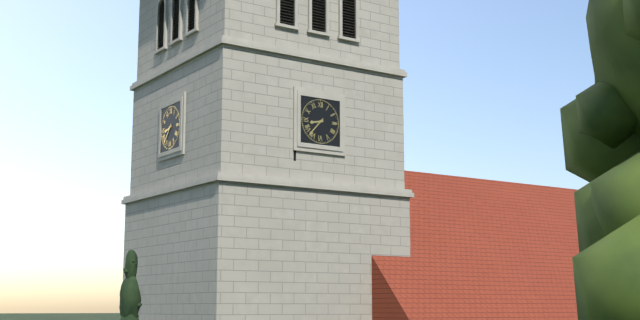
8.37
